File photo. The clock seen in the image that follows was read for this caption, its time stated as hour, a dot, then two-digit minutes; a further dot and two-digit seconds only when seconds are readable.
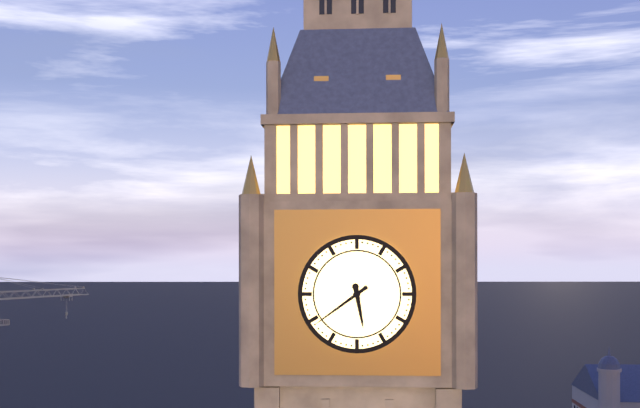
5.39
